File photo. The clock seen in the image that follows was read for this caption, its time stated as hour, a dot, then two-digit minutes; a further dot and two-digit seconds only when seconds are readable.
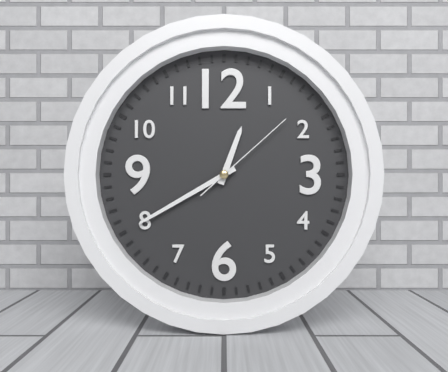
12.40.08
